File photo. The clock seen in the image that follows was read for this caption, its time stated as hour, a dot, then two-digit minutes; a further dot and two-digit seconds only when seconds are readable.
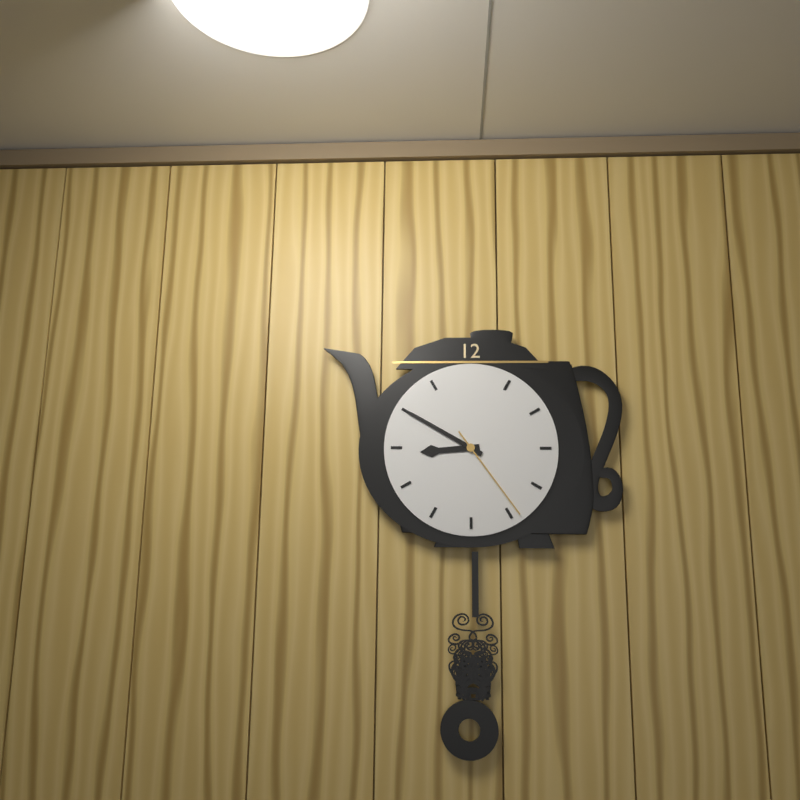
8.50.24
